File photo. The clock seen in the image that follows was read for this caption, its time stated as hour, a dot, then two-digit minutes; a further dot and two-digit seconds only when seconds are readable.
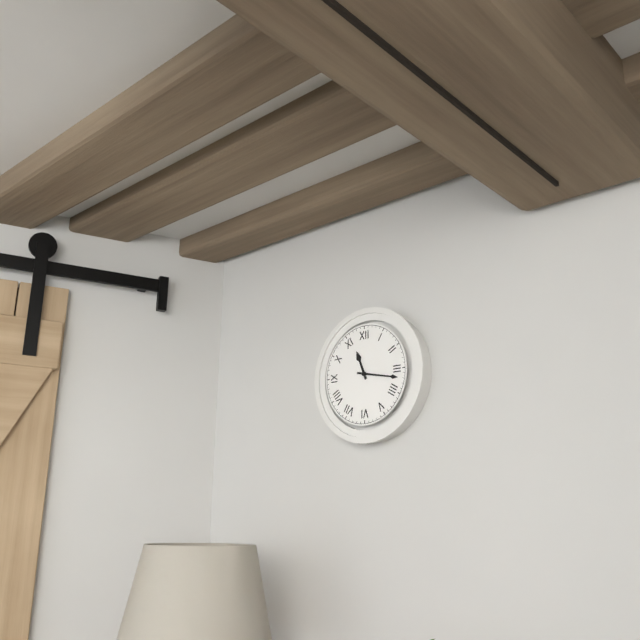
11.17
